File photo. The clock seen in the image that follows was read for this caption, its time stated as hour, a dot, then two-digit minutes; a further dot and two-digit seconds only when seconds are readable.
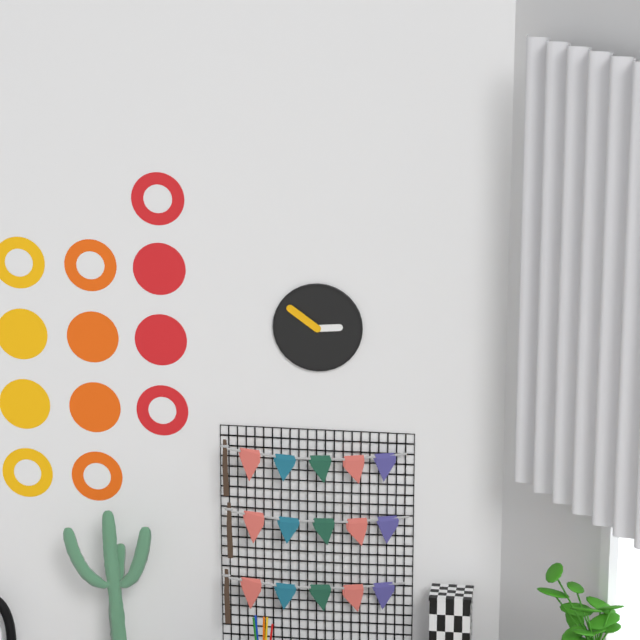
2.51
